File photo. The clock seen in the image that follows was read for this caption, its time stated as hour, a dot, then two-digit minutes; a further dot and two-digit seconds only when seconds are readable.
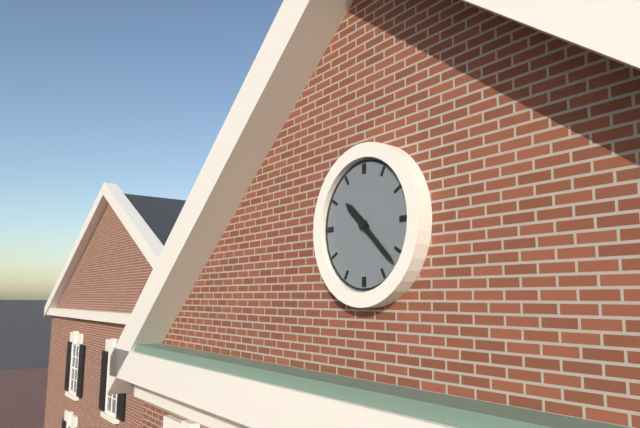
10.22
